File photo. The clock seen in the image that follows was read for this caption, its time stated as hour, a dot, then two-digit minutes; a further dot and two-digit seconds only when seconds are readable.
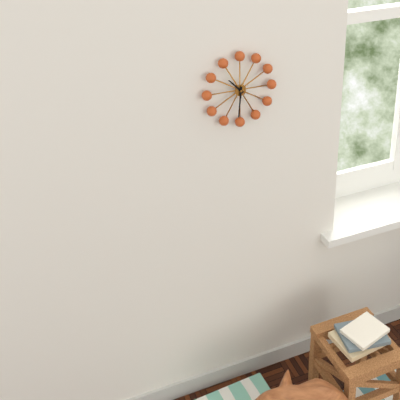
10.31
